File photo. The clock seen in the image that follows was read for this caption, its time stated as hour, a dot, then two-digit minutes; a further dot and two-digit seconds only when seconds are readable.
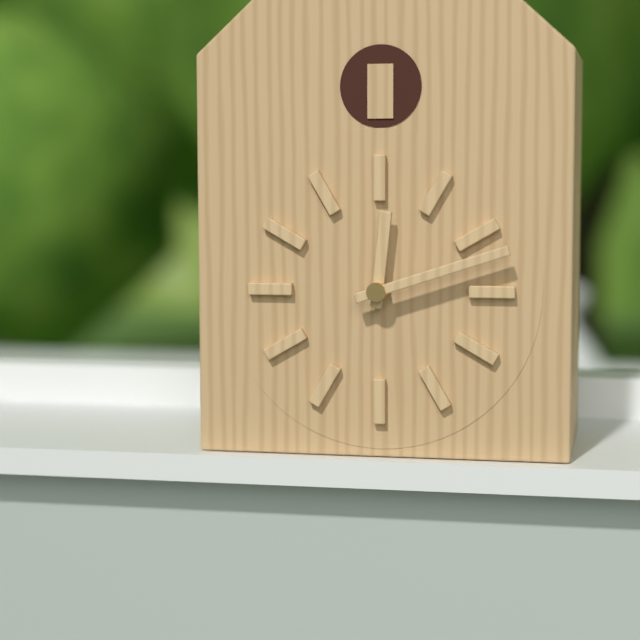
12.12
